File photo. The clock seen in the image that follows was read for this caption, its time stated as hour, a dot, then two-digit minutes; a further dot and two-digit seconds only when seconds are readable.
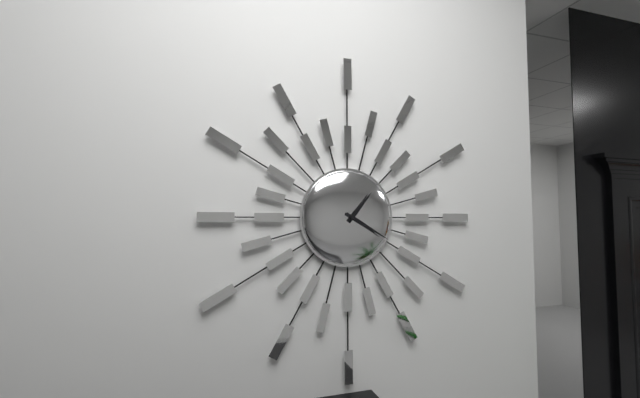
1.20
